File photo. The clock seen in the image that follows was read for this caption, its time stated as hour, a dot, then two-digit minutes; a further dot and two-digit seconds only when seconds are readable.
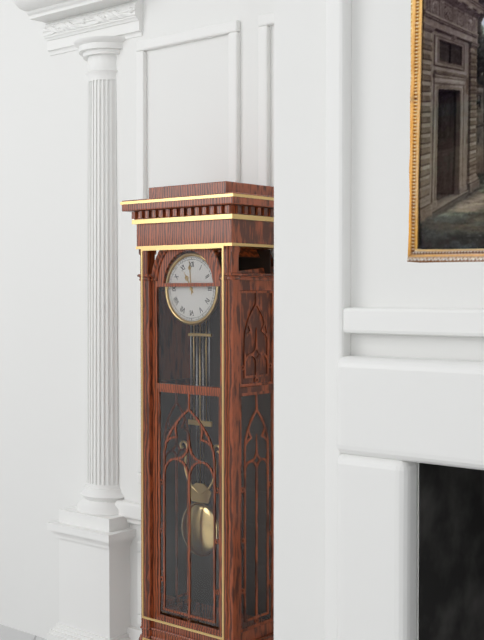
10.59
